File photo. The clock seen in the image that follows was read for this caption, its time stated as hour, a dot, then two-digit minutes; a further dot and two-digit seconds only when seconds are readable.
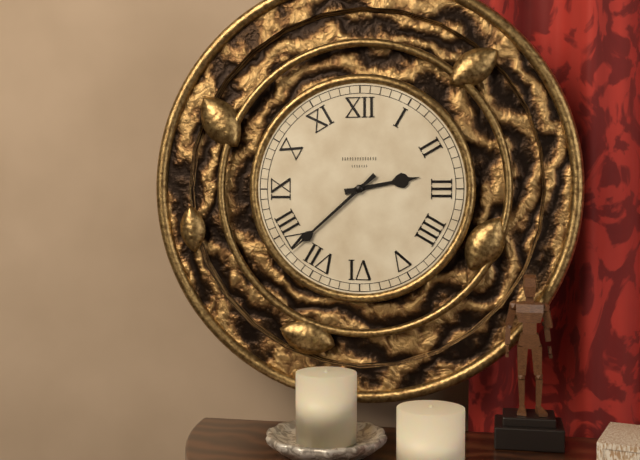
2.38
